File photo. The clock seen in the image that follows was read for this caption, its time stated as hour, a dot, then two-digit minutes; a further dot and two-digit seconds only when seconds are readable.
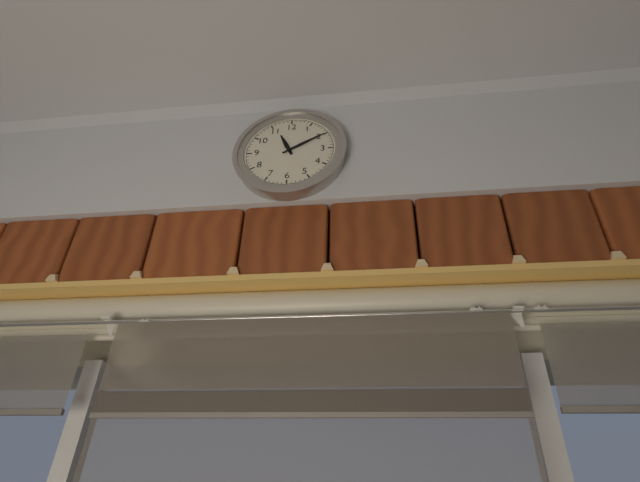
11.10
